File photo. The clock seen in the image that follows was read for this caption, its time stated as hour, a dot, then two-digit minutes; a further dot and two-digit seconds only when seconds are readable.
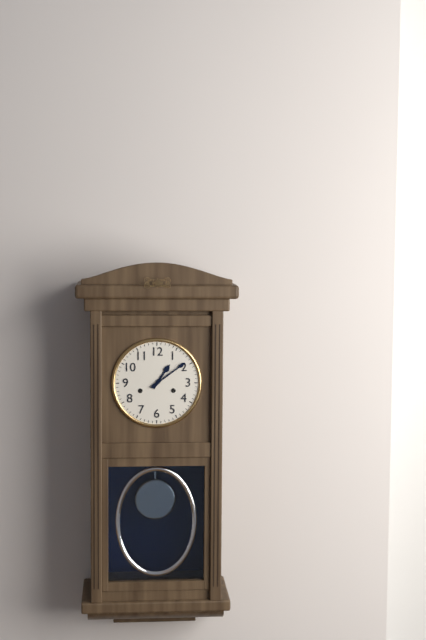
1.09
